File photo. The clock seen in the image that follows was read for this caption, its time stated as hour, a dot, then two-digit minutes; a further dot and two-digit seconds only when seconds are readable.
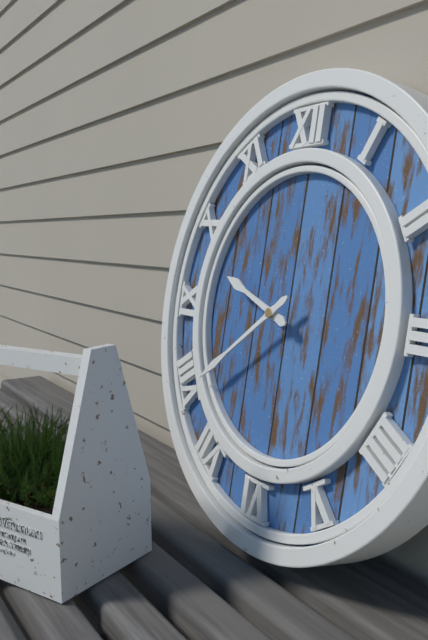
9.39
